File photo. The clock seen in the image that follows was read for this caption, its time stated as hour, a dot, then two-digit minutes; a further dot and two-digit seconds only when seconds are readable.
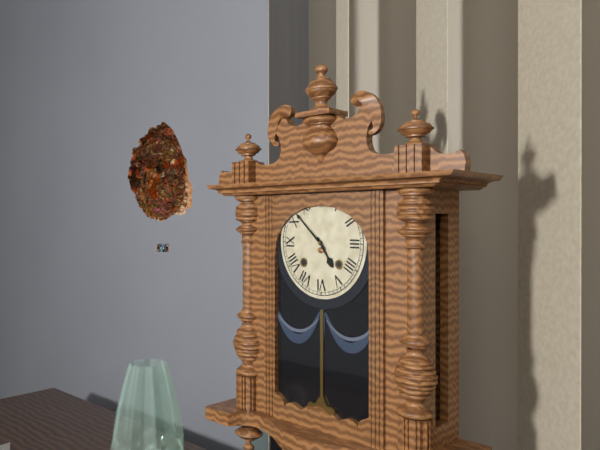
4.52
